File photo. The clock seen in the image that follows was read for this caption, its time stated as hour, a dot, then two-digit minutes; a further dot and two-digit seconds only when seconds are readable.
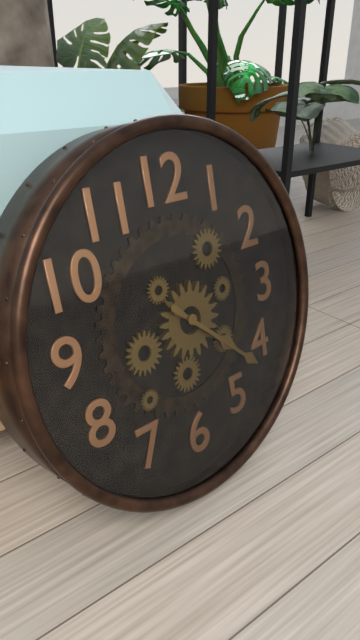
4.22
